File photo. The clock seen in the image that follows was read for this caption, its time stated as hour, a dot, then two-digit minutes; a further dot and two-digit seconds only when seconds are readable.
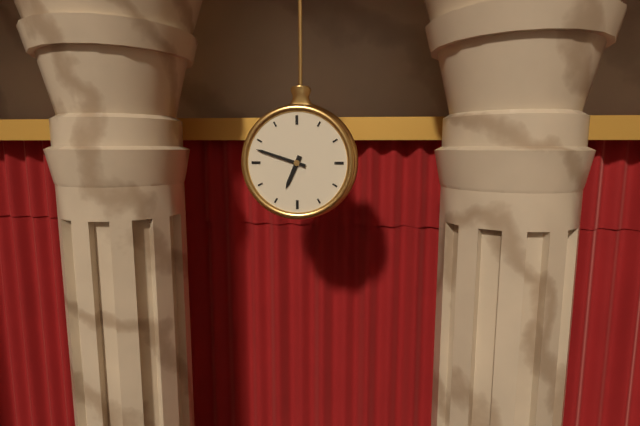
6.48
